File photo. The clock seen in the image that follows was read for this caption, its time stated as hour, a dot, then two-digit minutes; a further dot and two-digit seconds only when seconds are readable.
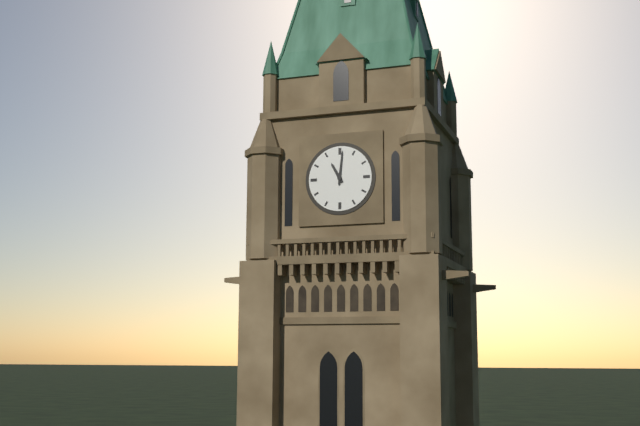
11.01
